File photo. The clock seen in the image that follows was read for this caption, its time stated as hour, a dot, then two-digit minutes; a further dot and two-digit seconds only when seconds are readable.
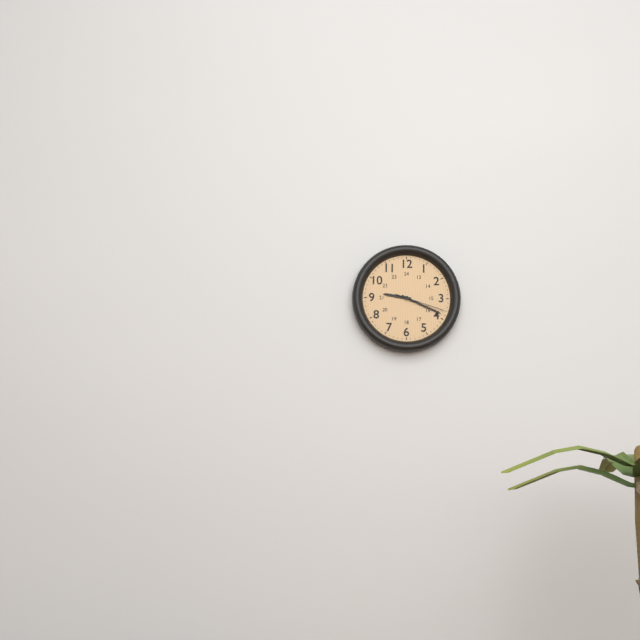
9.19.18
